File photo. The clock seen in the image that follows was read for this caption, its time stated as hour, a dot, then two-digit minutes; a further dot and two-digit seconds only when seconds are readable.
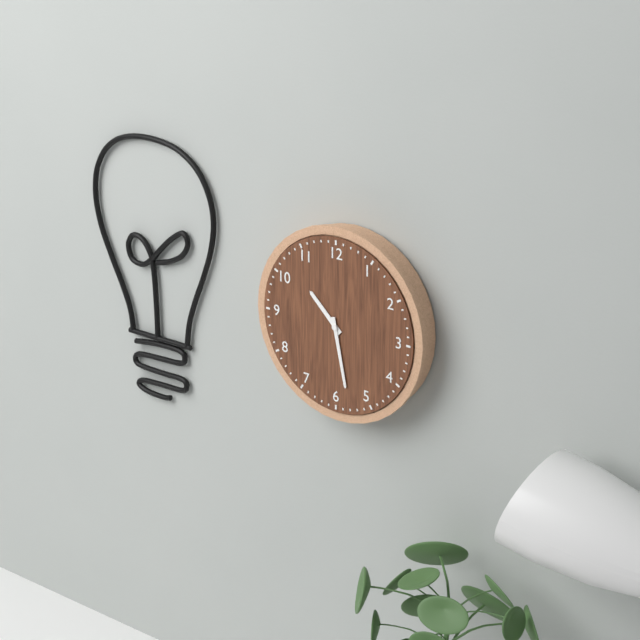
10.28
